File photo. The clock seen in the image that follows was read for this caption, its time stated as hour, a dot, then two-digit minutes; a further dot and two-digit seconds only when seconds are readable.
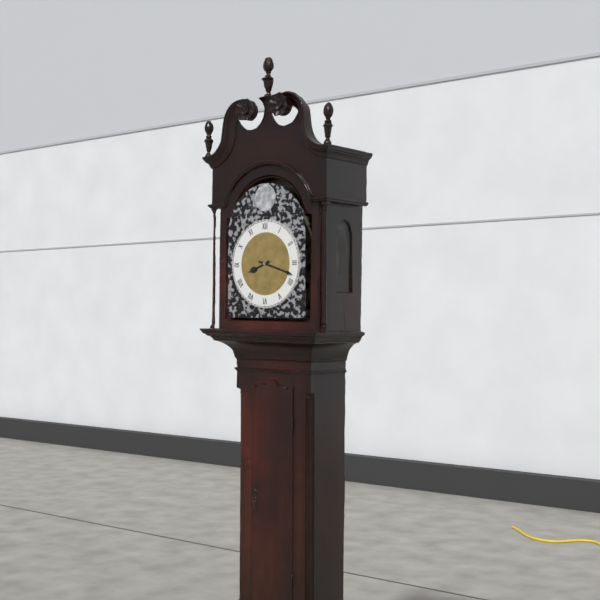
8.18
